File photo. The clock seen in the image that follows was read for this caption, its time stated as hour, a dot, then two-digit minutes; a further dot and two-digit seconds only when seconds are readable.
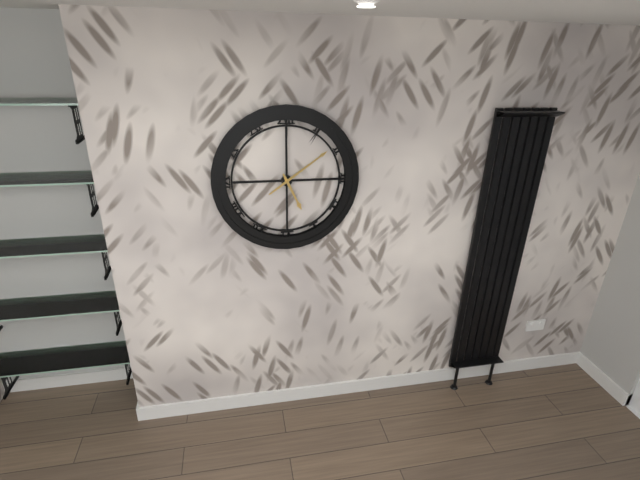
5.09
